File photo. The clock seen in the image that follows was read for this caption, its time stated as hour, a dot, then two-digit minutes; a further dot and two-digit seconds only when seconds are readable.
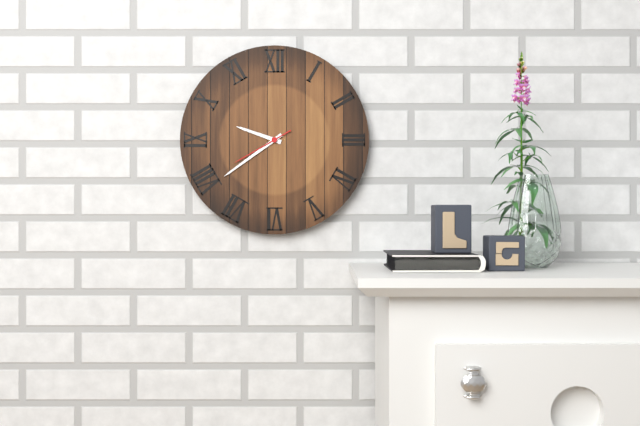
9.39.40
